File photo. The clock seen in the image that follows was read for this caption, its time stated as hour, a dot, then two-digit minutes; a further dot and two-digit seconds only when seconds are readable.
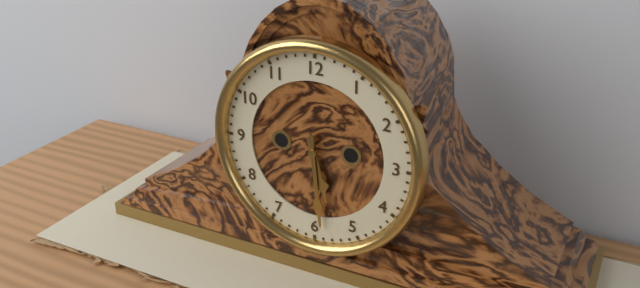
5.29
